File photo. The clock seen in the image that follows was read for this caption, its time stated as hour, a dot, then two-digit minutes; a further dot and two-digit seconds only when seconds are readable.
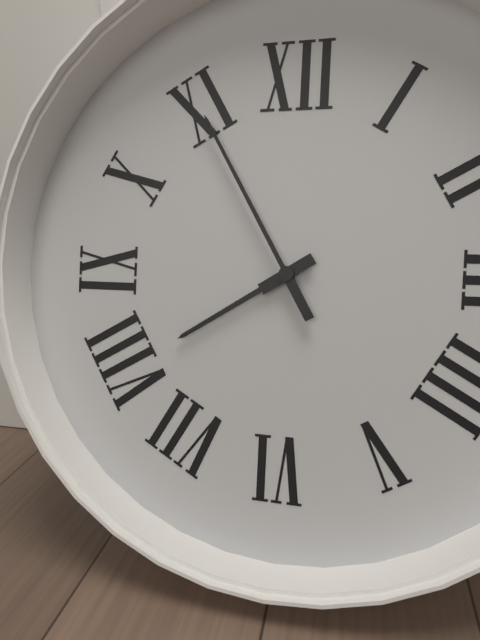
7.55
